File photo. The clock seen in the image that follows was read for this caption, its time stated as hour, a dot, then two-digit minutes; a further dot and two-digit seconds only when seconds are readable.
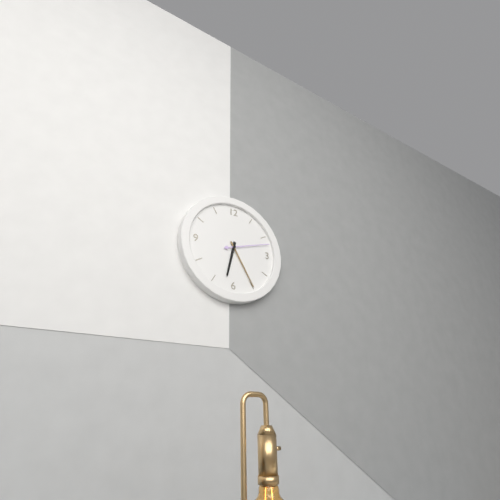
6.25
